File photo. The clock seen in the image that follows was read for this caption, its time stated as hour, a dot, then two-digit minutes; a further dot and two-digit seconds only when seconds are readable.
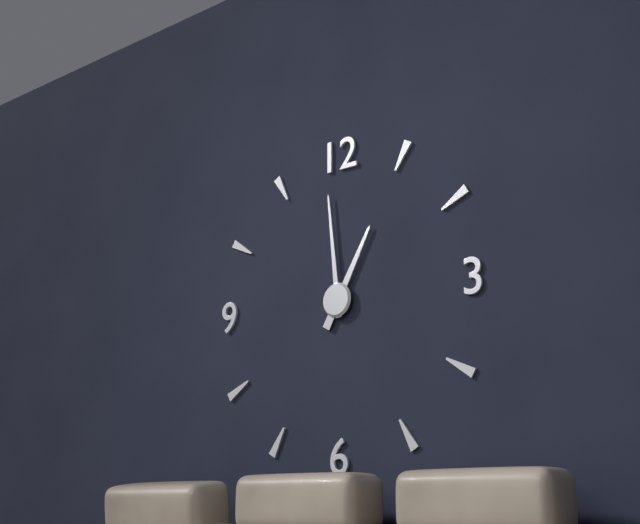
12.59
